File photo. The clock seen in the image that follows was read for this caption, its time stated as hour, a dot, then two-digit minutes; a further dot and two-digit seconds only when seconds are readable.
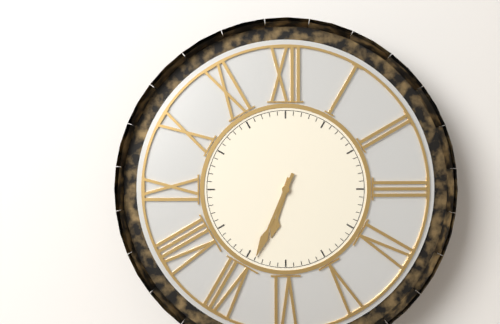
6.34
